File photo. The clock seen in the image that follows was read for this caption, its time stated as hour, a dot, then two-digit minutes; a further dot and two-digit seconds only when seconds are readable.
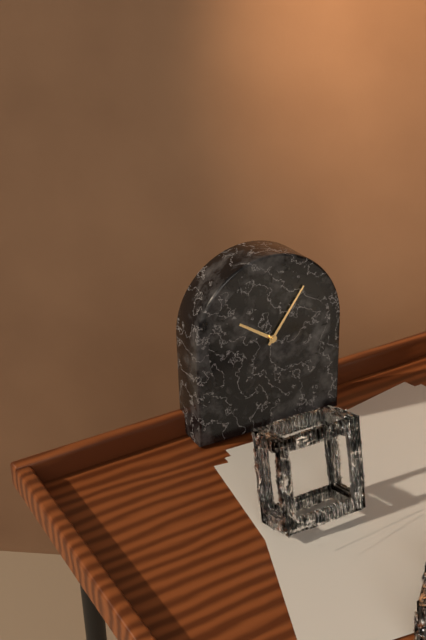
10.06
